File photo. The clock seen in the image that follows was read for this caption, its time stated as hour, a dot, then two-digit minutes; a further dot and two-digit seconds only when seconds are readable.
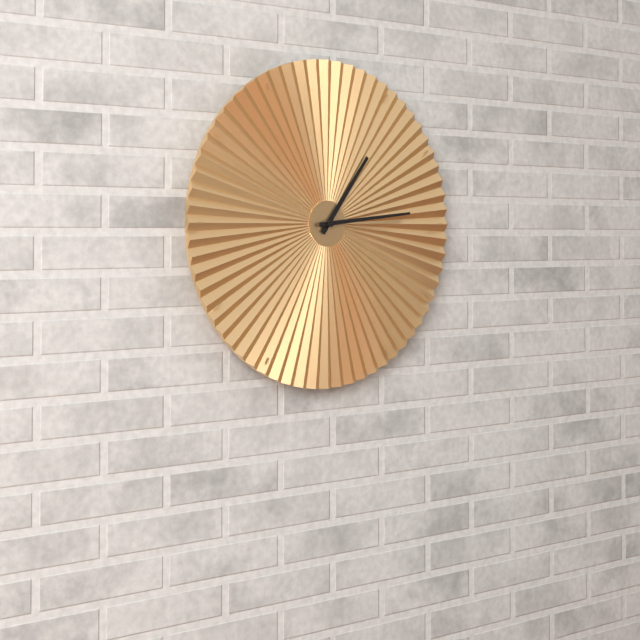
1.14
